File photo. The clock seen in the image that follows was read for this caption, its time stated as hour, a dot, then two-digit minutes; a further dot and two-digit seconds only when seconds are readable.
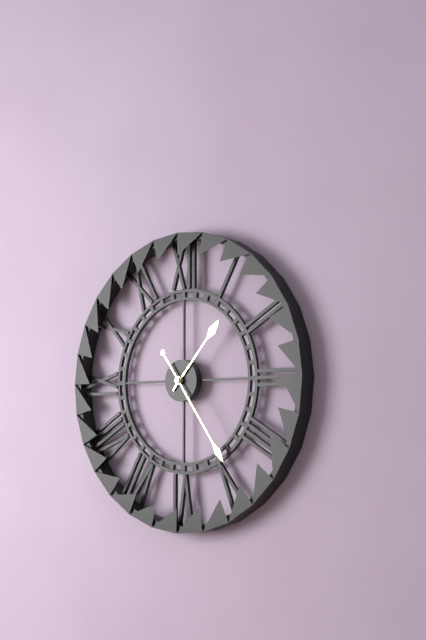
1.24
